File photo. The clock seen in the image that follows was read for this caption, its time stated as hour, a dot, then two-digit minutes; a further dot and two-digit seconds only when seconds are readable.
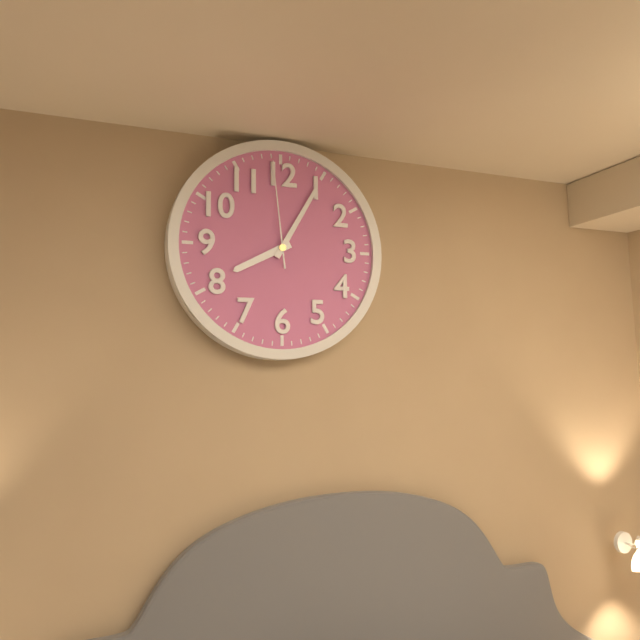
8.05.59
